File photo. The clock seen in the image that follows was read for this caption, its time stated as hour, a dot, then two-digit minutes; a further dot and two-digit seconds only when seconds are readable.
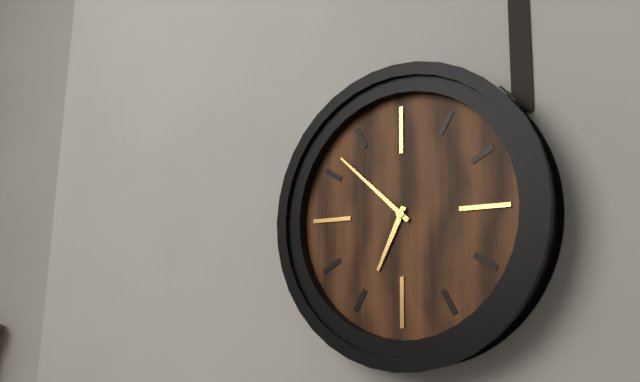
6.52
